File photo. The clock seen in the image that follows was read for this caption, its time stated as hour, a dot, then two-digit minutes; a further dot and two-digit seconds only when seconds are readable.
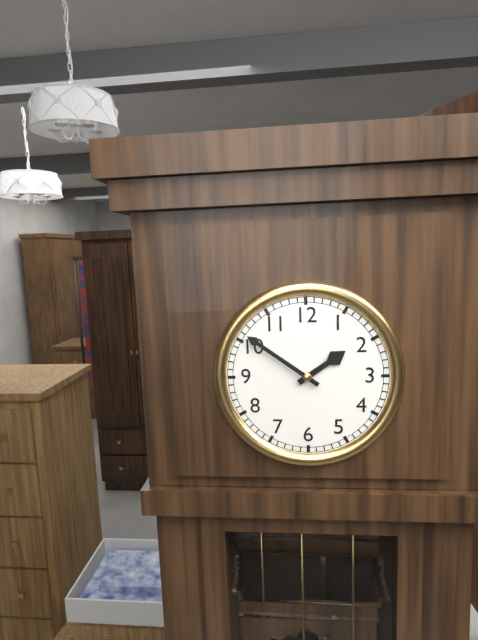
1.51
